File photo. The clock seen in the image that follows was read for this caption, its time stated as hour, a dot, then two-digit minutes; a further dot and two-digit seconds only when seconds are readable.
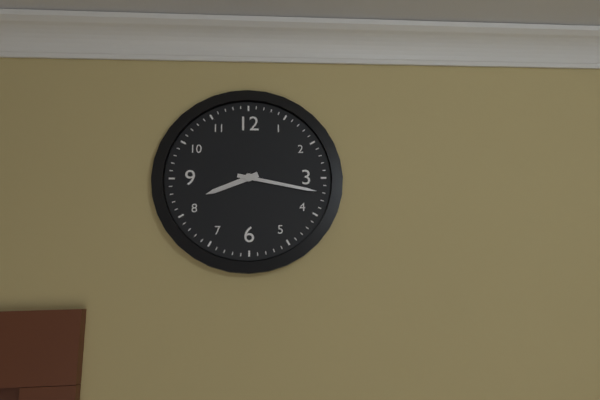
8.17
